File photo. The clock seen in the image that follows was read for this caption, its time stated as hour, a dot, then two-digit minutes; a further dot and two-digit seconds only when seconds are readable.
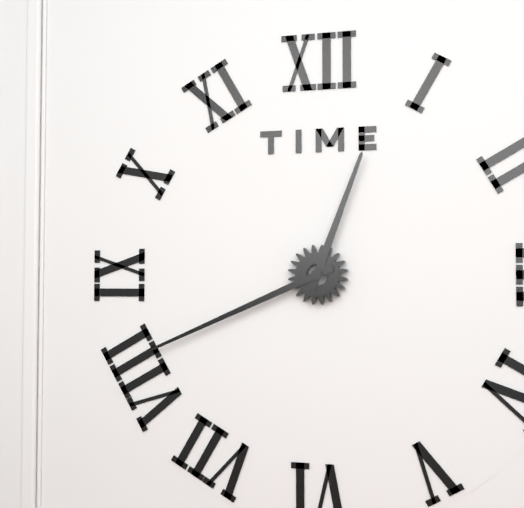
12.41
